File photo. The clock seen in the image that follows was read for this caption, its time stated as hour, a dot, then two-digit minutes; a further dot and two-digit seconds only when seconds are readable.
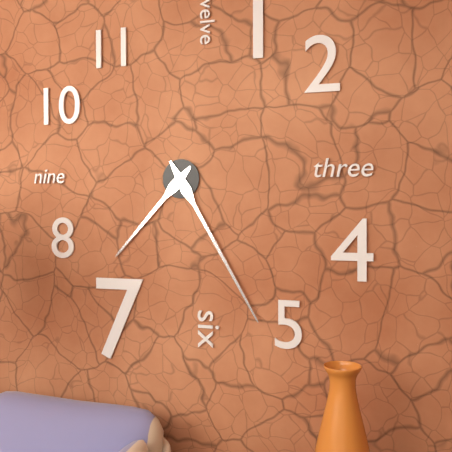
7.25
